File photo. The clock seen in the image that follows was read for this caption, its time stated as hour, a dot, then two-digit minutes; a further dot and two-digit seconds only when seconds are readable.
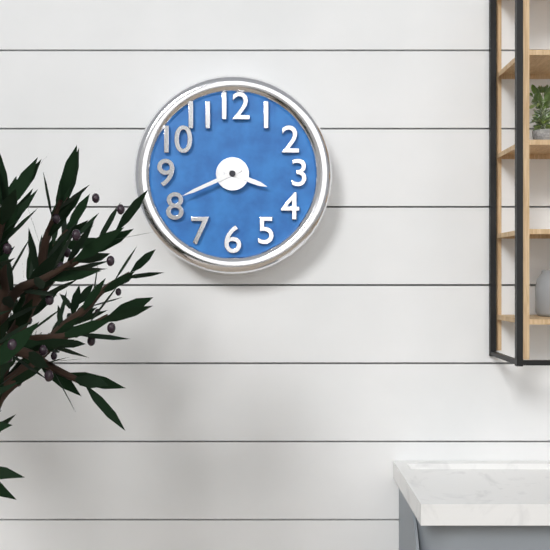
3.41
